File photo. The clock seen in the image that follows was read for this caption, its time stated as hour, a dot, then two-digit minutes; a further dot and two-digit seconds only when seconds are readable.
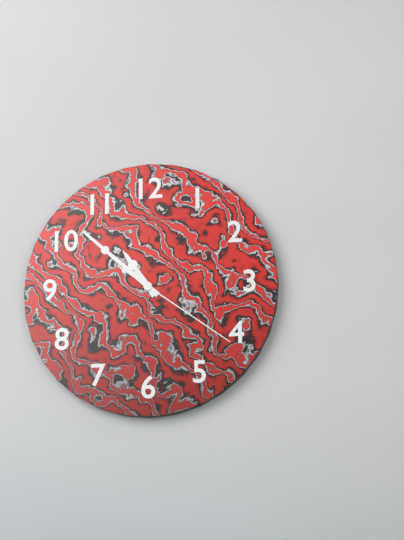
10.52.21
